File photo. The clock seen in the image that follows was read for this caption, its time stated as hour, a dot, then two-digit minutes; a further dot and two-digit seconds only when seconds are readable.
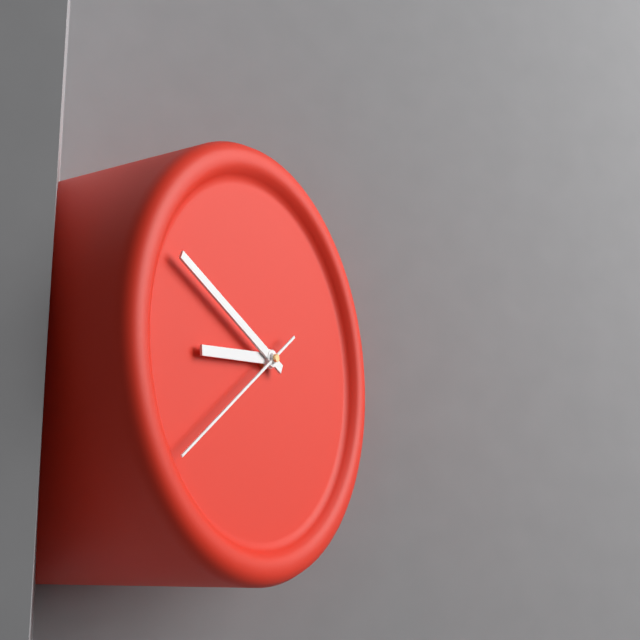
8.49.39
